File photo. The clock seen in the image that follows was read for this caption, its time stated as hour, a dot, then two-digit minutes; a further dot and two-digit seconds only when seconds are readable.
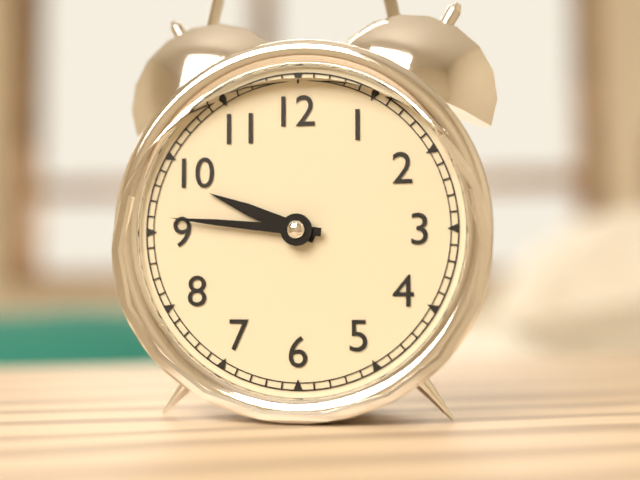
9.46
